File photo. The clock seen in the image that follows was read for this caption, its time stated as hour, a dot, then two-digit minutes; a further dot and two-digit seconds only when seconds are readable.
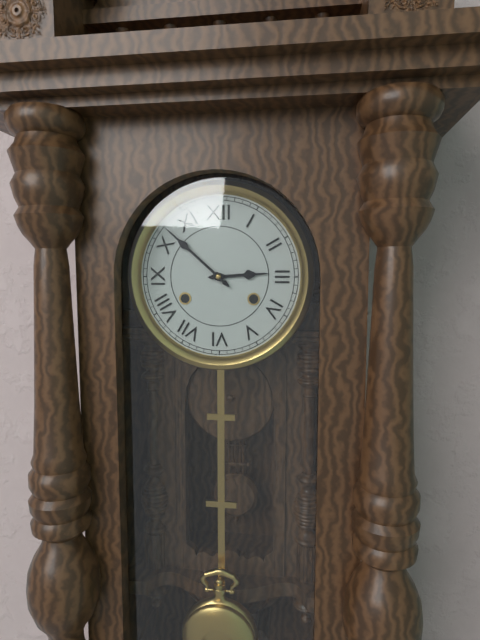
2.52
